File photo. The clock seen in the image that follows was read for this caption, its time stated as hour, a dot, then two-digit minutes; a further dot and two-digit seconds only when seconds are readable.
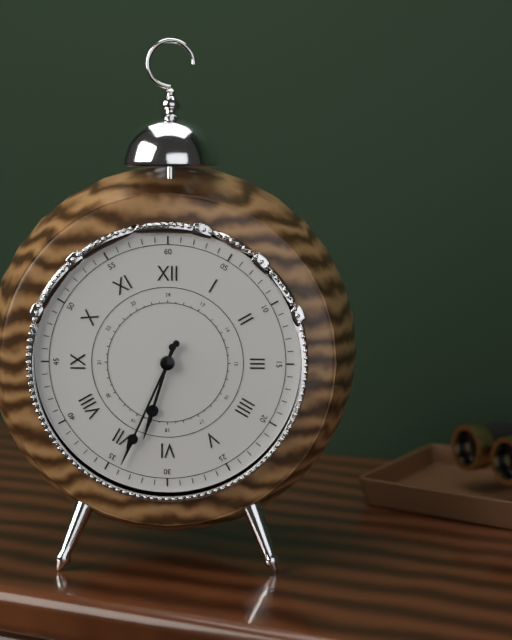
6.34
